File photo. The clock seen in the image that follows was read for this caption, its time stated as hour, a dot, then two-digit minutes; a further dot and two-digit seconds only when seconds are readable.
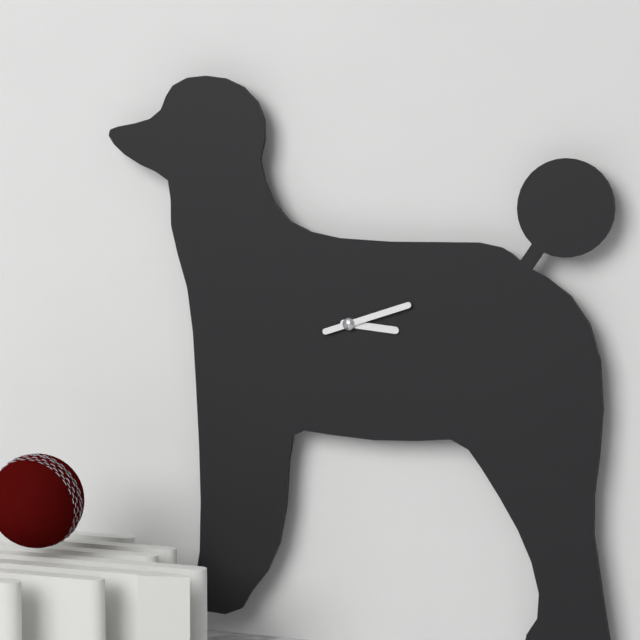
3.12
